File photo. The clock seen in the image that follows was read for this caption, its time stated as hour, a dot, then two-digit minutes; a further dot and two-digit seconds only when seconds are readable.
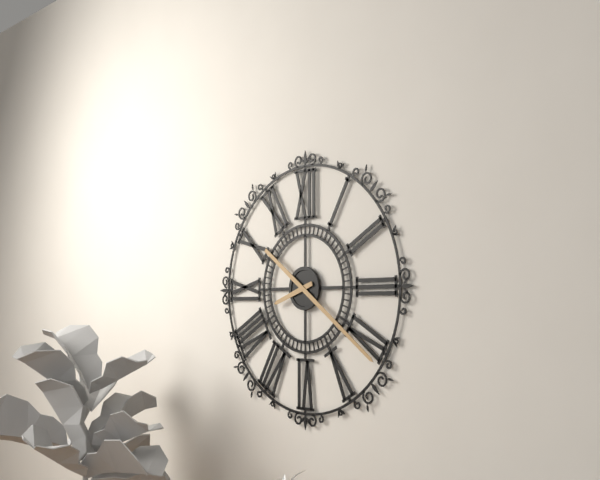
8.21
